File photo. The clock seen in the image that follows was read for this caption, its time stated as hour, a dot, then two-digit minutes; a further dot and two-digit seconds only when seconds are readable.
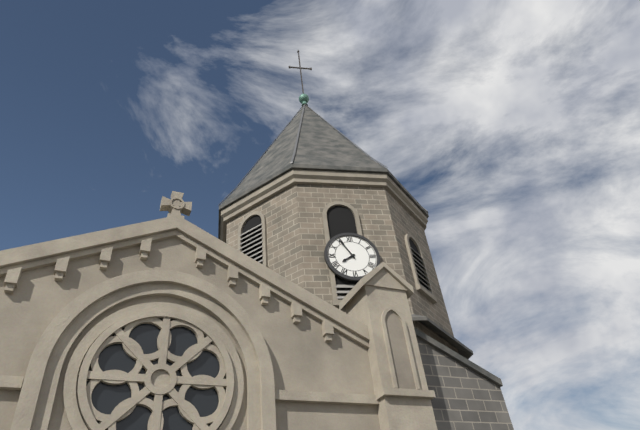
7.55
